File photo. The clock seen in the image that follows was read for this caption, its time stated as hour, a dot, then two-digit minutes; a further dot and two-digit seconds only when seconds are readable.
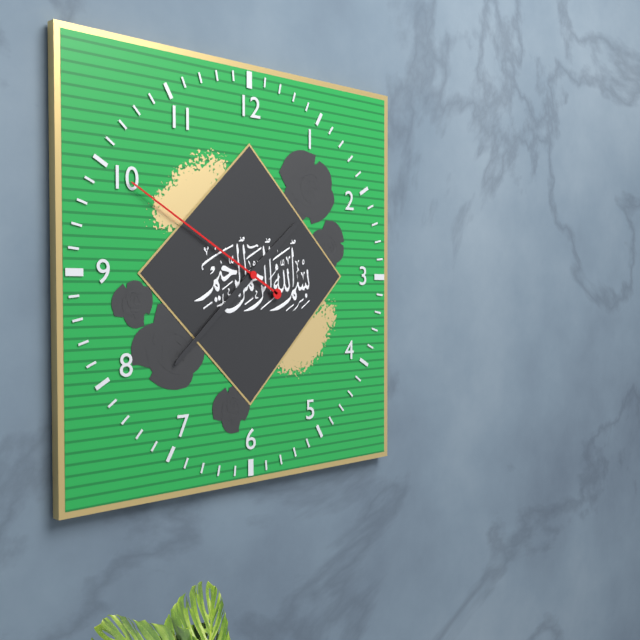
1.38.50
